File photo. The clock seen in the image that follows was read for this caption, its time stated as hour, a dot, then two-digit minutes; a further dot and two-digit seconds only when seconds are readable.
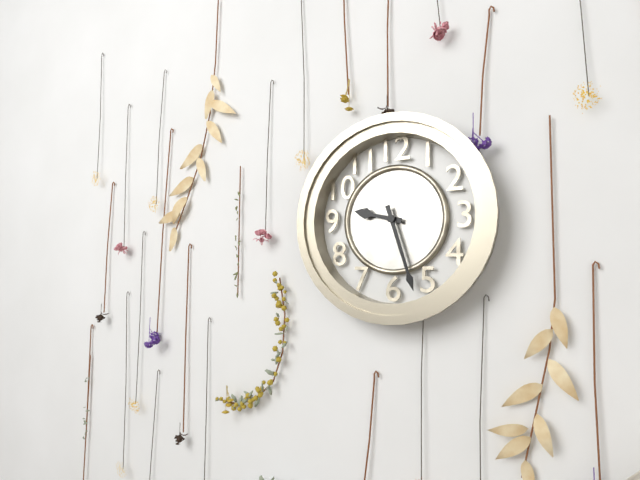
9.27
